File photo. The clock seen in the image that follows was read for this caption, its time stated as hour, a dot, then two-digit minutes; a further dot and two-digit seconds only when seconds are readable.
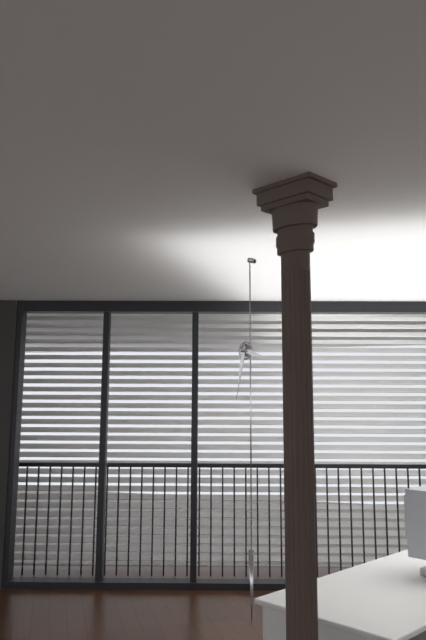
3.32
